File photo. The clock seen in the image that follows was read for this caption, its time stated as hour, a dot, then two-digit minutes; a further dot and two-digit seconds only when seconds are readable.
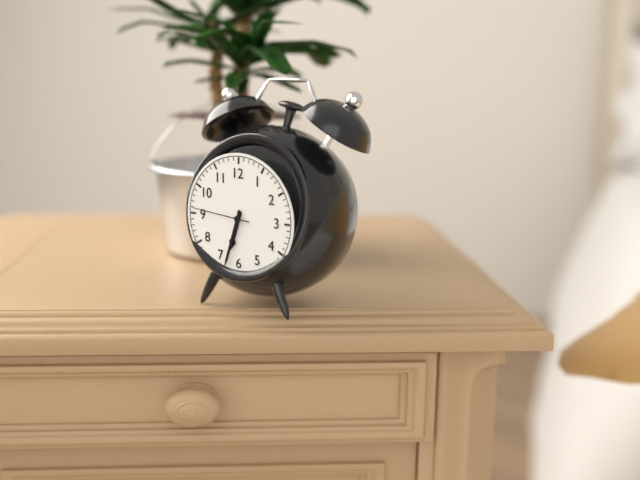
6.33.46
